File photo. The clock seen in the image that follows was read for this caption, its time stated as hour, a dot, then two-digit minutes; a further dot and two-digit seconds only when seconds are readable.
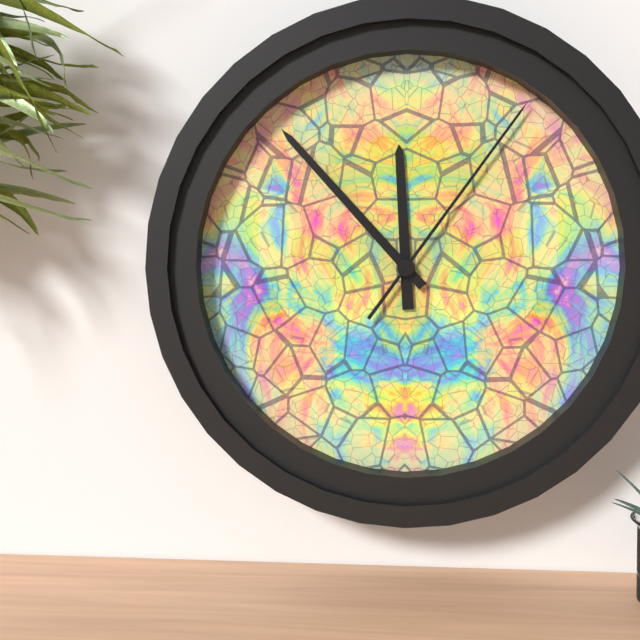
11.53.06
